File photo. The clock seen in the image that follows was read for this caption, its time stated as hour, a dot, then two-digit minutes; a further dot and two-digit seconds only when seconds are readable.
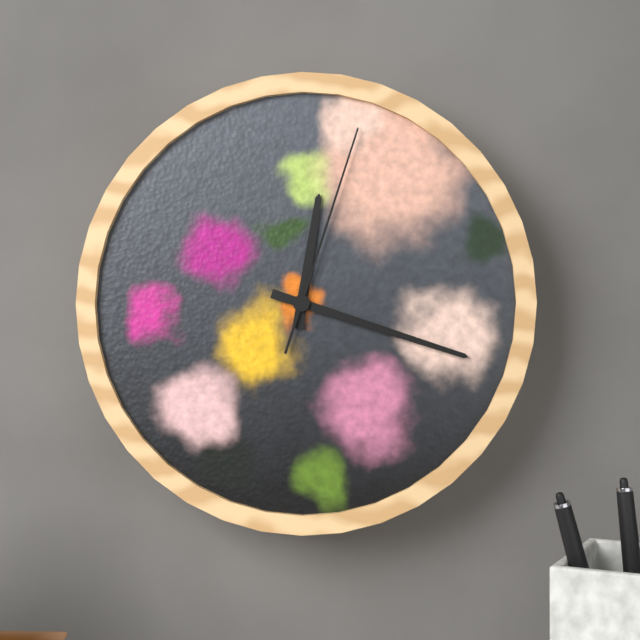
12.18.03
